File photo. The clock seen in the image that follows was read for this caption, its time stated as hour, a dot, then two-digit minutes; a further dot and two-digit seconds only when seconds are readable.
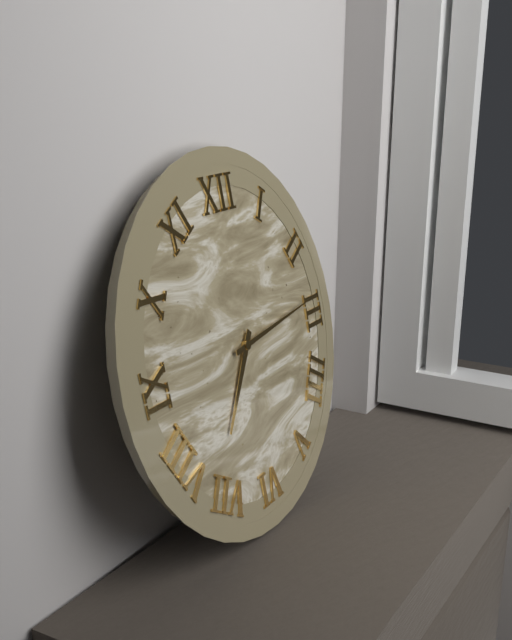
7.14
